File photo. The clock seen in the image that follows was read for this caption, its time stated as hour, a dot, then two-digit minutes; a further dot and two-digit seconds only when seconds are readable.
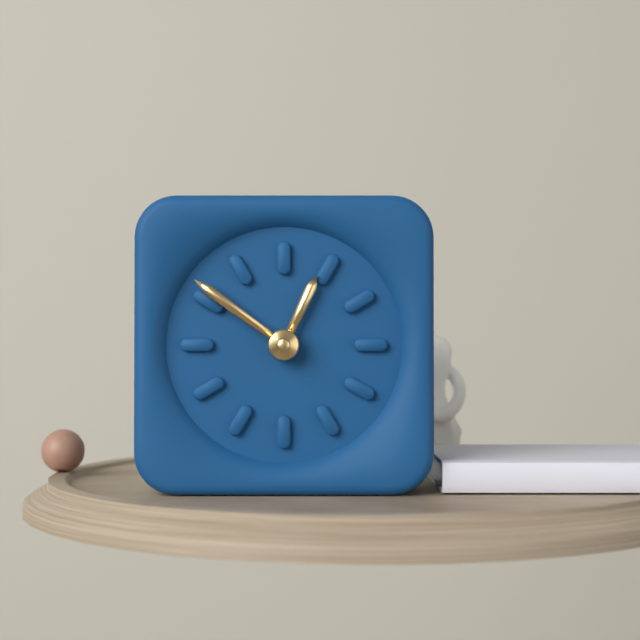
12.51
